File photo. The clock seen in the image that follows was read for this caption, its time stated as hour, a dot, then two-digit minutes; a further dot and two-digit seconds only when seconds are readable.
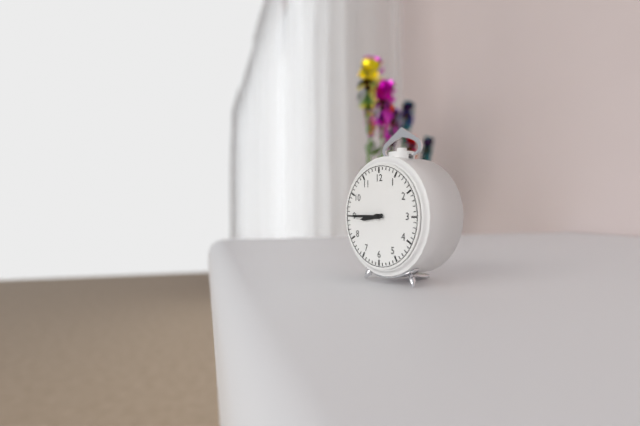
8.45
